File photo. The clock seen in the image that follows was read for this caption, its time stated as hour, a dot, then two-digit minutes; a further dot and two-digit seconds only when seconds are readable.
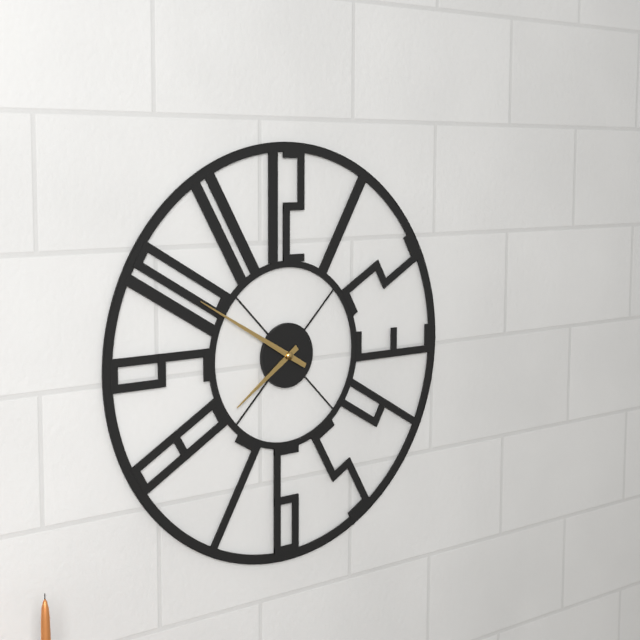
7.50
